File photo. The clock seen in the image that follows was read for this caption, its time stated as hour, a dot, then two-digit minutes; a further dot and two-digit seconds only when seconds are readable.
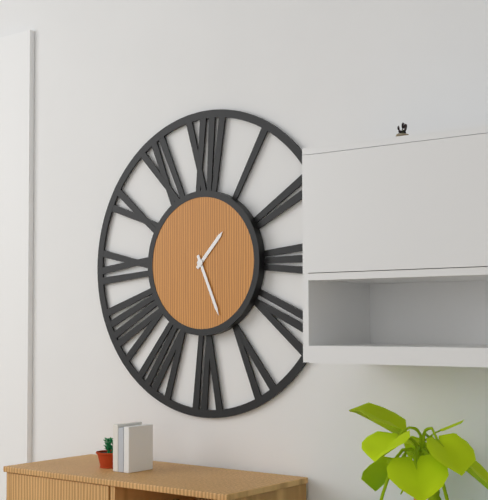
1.26
